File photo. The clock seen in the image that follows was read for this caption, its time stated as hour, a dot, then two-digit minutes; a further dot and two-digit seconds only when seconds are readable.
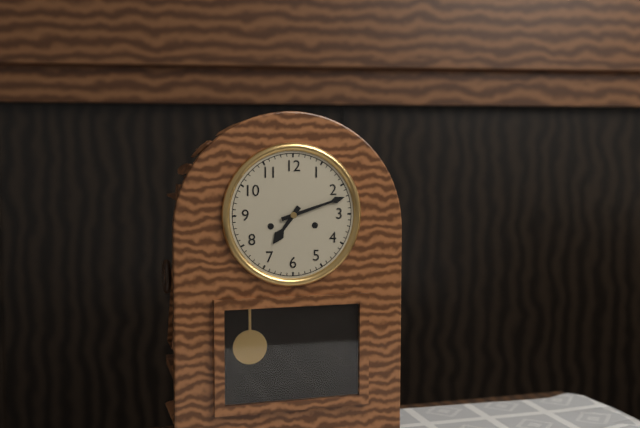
7.12
